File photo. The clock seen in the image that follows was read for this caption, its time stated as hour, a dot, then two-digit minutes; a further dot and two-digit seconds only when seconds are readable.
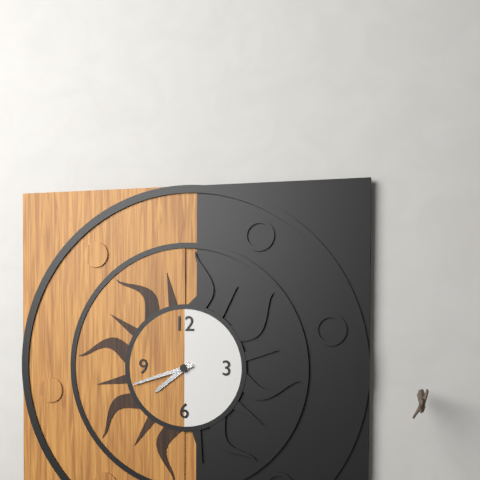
7.42
